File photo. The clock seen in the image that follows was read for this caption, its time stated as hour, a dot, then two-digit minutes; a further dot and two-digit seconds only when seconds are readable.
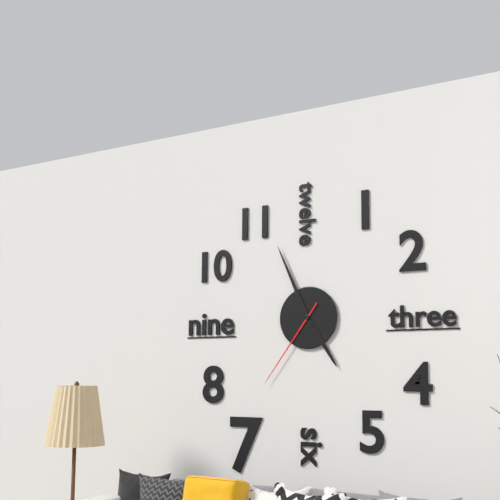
4.56.36
